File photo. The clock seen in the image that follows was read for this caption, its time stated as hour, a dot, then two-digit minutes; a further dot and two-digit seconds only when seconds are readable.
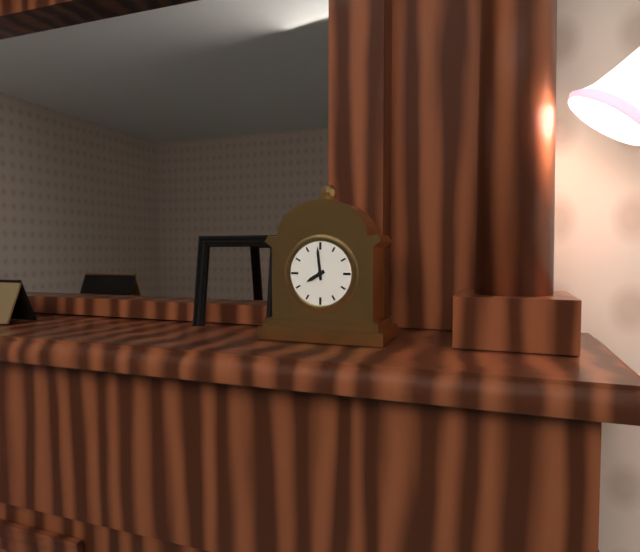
7.59
